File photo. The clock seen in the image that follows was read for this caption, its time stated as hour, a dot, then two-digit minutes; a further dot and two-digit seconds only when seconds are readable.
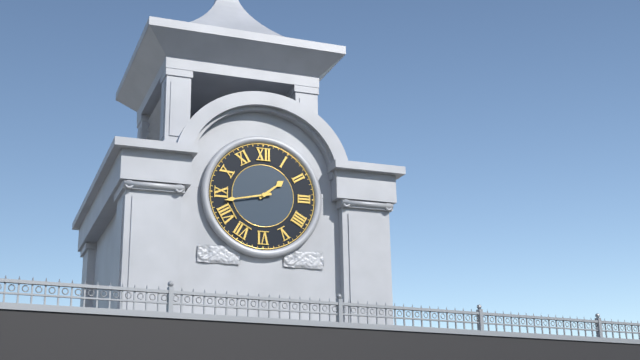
1.43
